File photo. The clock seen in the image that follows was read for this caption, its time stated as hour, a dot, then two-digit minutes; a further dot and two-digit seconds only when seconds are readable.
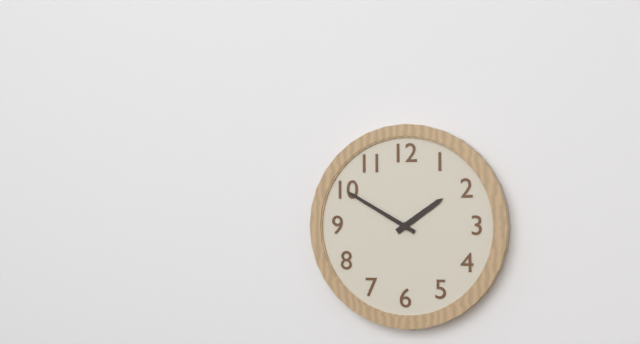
1.50
